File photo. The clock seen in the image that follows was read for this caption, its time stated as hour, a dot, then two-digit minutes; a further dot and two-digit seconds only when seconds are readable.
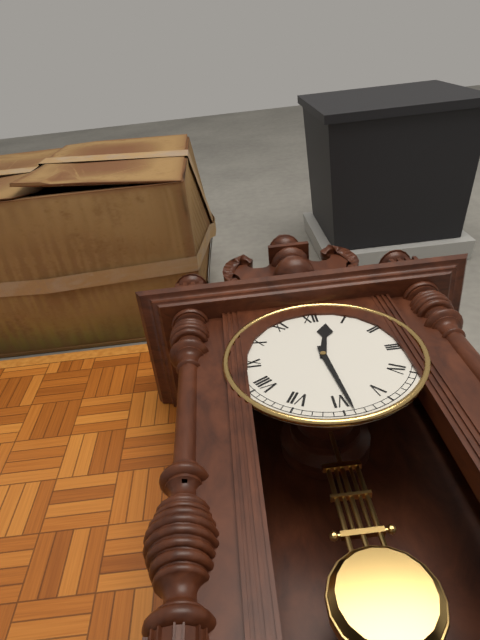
12.29
